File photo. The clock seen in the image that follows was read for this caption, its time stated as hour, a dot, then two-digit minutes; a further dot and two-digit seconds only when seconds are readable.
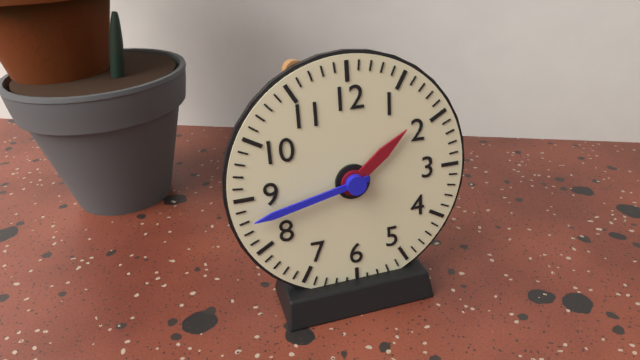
1.43
